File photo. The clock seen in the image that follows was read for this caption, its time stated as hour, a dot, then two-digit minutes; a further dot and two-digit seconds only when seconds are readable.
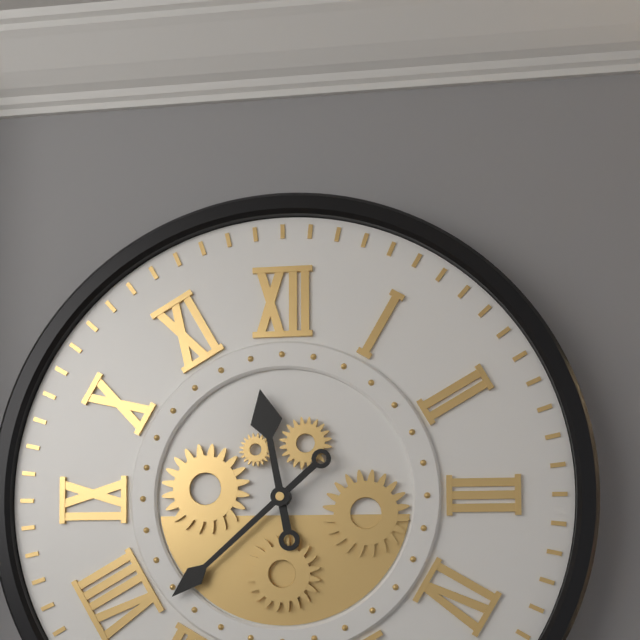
11.38
